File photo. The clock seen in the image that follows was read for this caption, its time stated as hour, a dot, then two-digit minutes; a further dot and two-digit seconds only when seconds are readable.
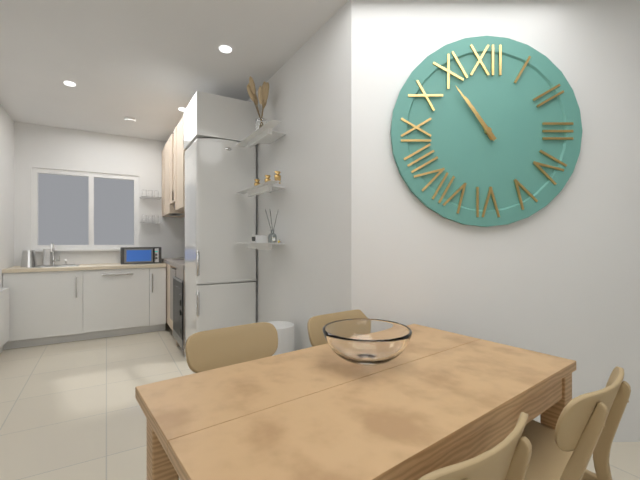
10.54
